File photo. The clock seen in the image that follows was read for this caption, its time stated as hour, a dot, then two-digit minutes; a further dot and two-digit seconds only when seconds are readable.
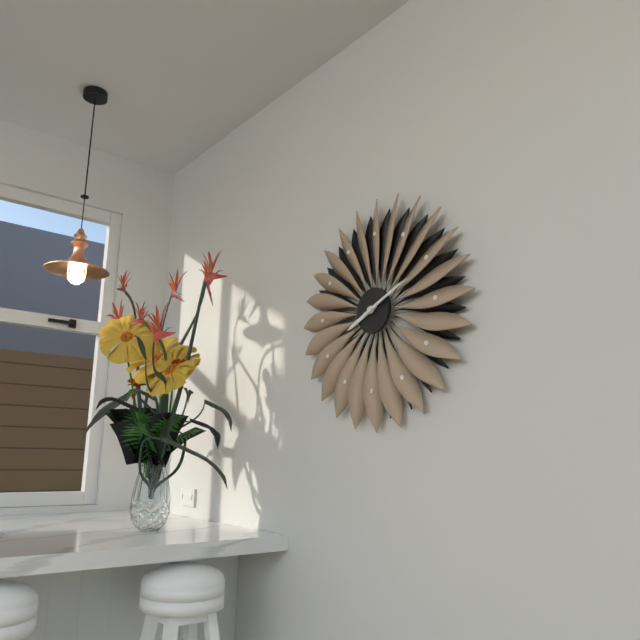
8.11
